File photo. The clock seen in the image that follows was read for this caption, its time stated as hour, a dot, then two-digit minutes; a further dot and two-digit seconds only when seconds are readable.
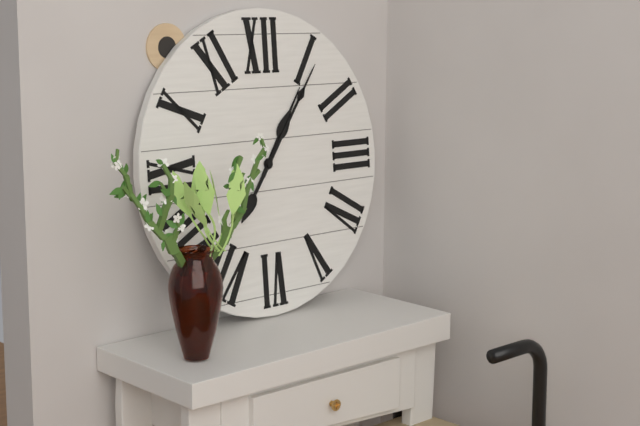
1.06
